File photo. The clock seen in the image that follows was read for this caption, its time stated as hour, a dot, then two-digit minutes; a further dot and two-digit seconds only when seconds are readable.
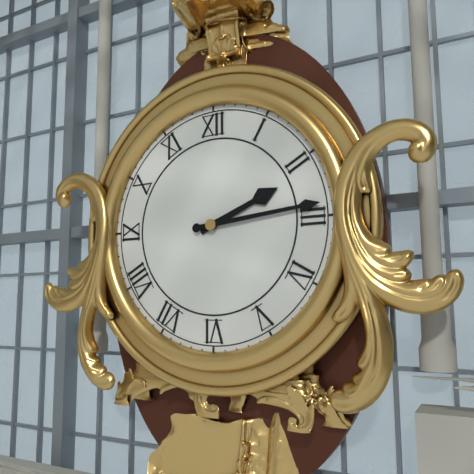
2.14
